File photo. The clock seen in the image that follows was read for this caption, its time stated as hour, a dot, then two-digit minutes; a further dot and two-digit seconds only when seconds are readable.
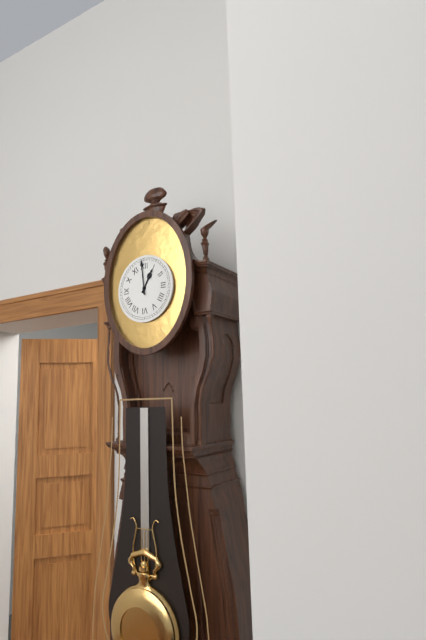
12.59
